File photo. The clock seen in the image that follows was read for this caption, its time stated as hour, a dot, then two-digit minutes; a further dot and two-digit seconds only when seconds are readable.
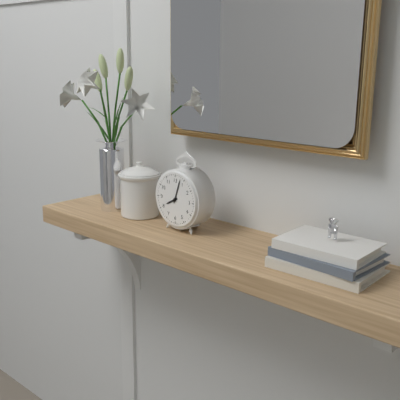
8.03
